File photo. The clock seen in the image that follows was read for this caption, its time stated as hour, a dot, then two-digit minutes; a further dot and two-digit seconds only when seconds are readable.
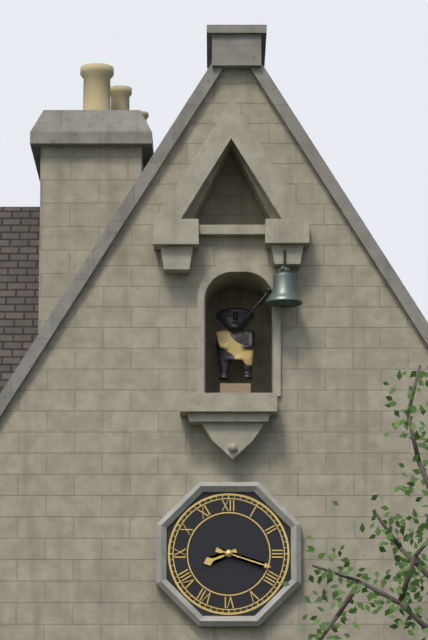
8.18
